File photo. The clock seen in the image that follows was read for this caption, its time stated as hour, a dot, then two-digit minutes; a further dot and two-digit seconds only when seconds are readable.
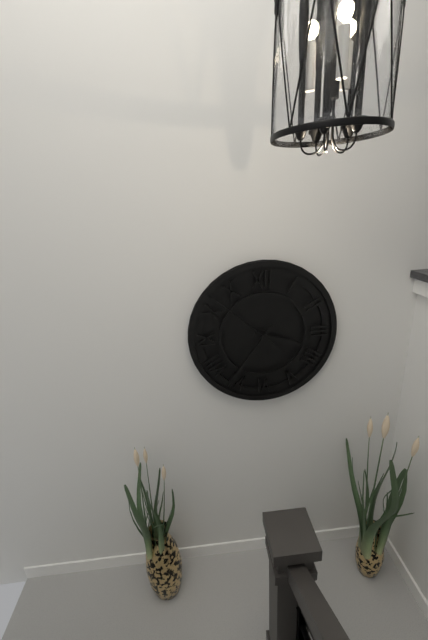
3.36.52
